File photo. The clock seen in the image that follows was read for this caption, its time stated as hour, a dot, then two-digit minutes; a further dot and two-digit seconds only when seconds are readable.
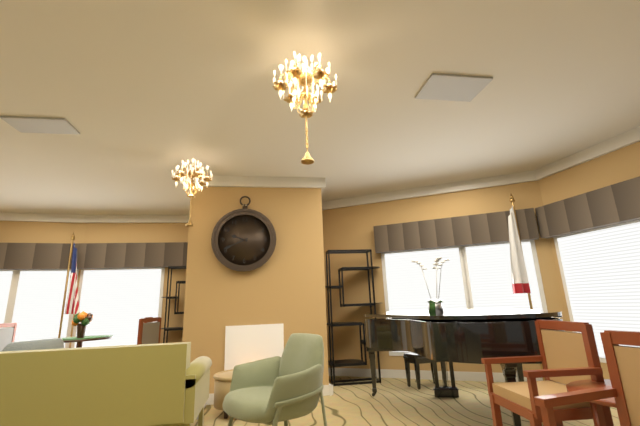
9.41
